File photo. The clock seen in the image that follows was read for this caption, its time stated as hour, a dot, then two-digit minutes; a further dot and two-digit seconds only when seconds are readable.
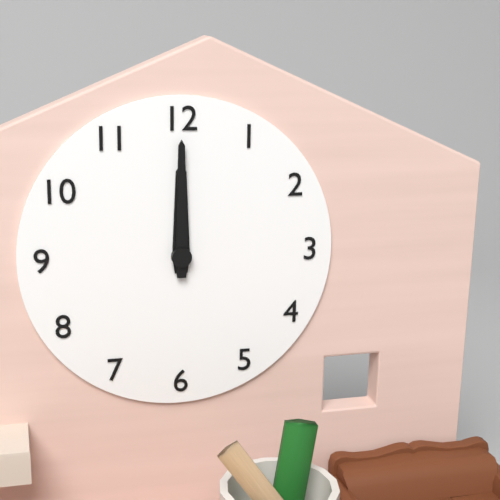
12.00
